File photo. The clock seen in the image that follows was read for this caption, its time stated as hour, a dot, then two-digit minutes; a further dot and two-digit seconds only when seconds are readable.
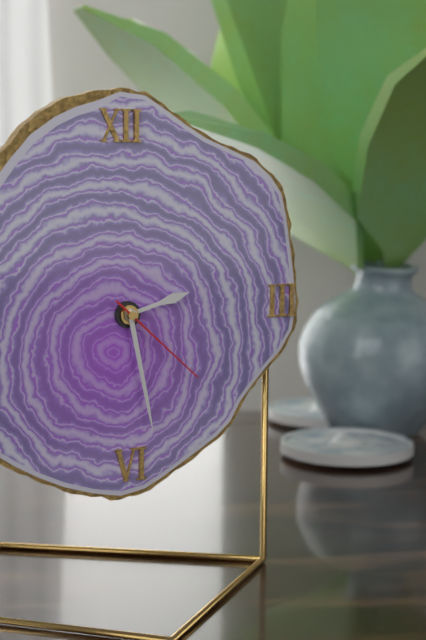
2.28.22
